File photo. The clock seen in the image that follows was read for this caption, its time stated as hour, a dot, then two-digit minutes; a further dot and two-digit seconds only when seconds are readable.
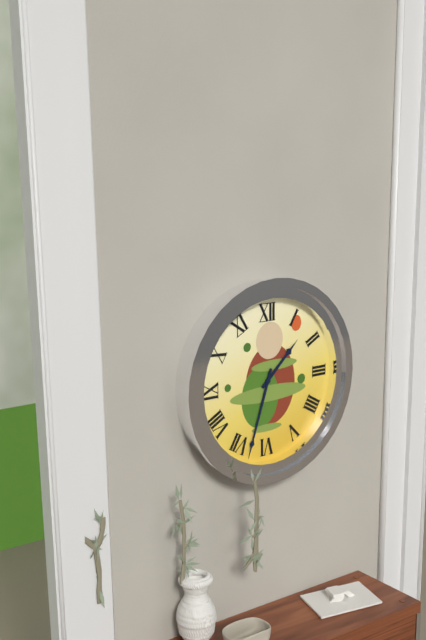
1.33
